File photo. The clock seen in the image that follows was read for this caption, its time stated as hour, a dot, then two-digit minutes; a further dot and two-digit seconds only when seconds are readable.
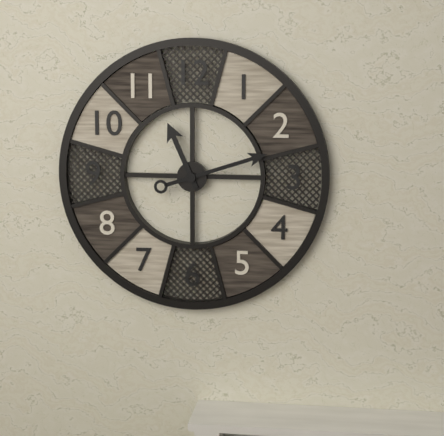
11.12
